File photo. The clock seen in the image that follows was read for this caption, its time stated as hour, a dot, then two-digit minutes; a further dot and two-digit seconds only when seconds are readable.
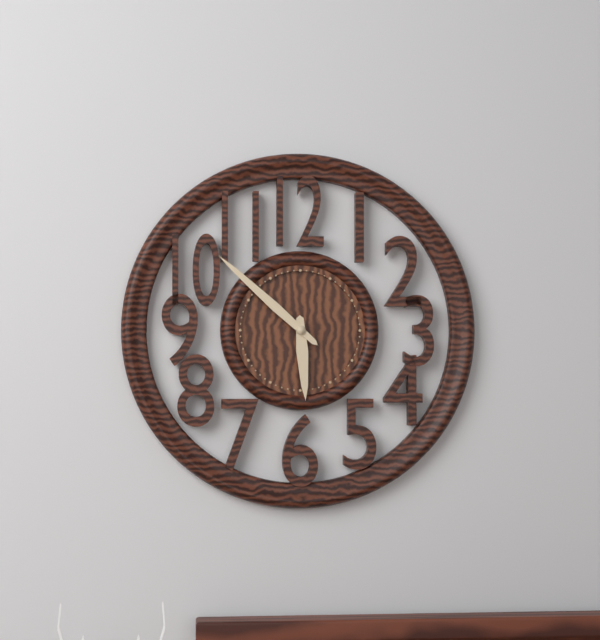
5.52
